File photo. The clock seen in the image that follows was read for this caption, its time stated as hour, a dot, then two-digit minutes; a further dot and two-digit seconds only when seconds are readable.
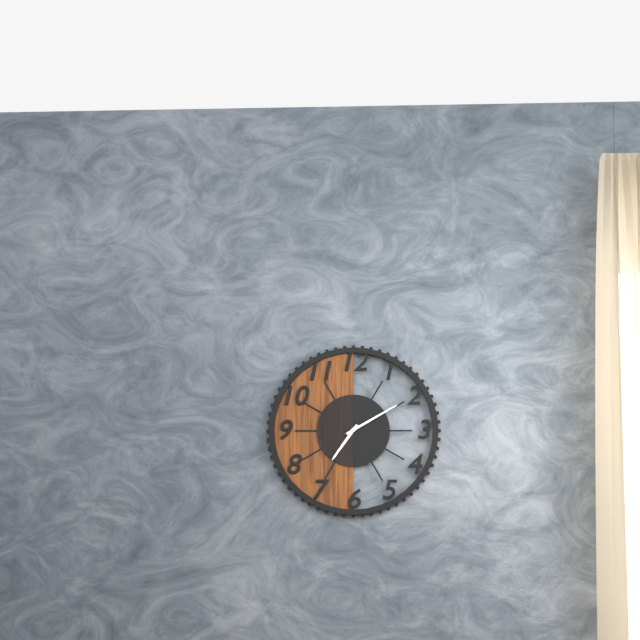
7.10
